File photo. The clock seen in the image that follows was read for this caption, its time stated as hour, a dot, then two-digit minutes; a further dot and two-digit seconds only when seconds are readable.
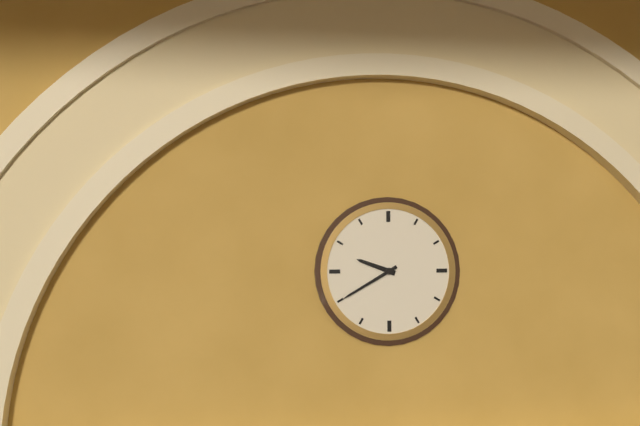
9.40
